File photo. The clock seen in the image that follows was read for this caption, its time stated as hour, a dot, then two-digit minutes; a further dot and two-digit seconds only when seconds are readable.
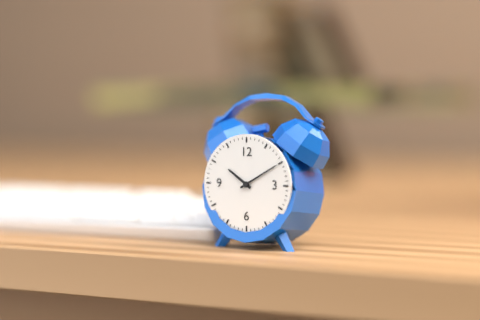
10.10
